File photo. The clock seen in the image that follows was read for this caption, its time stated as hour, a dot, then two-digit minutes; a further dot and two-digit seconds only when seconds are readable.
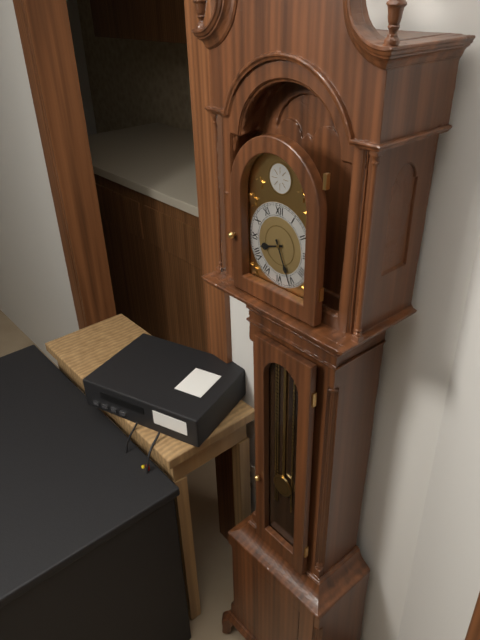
8.26
